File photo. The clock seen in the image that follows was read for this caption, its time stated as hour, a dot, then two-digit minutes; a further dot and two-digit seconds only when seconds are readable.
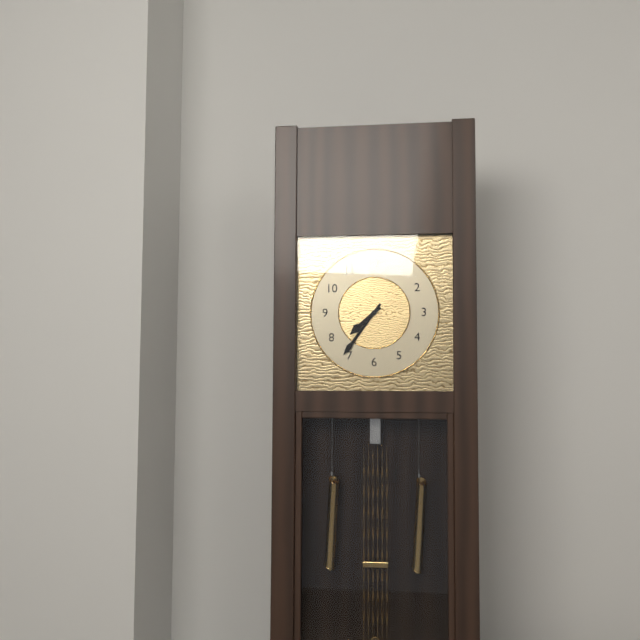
7.36
